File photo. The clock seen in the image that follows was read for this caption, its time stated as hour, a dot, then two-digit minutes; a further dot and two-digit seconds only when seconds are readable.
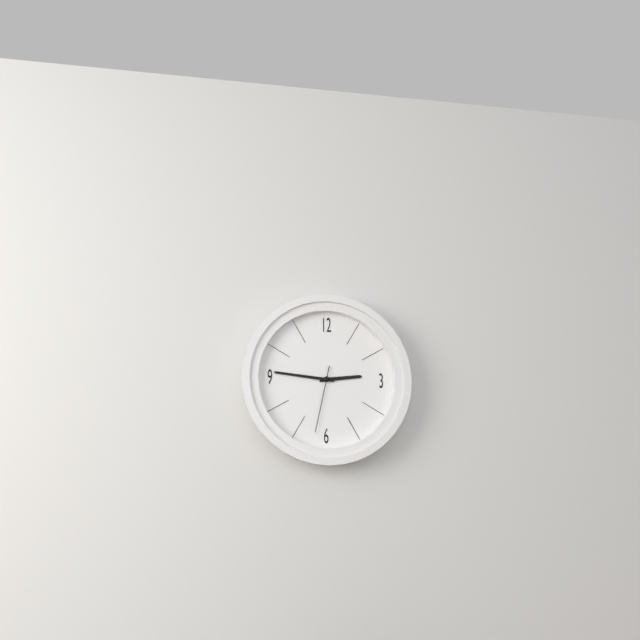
2.46.32
